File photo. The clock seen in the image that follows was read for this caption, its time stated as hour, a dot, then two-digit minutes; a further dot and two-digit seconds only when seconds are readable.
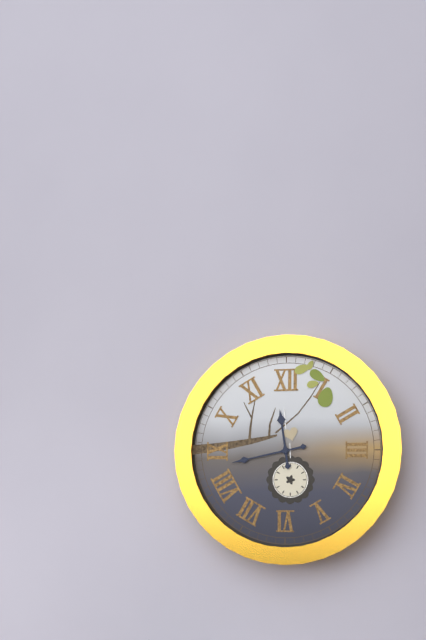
11.43
